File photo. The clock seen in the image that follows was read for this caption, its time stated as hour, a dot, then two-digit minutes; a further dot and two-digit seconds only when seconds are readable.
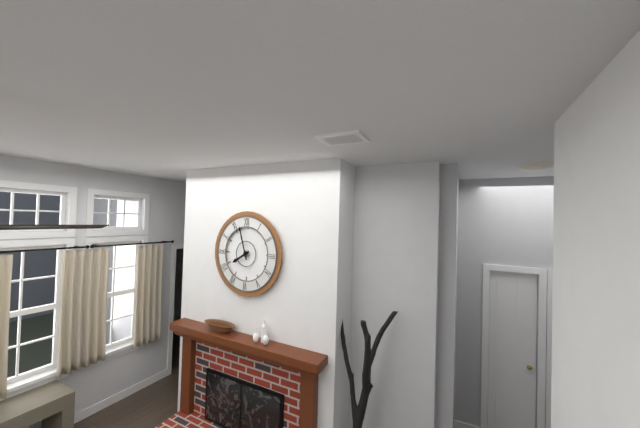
7.57
